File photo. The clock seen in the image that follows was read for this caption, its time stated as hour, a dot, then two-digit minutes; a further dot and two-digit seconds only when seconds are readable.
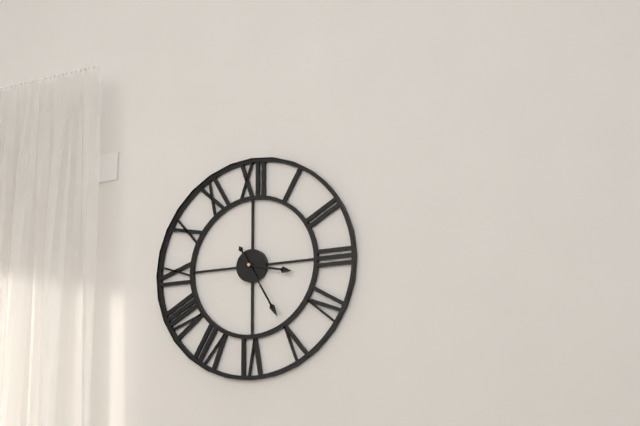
3.25
